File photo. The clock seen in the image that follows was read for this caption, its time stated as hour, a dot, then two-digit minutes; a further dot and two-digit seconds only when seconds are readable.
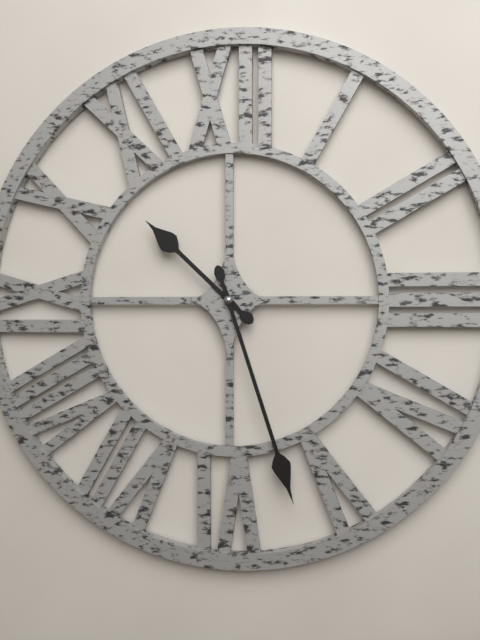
10.27
